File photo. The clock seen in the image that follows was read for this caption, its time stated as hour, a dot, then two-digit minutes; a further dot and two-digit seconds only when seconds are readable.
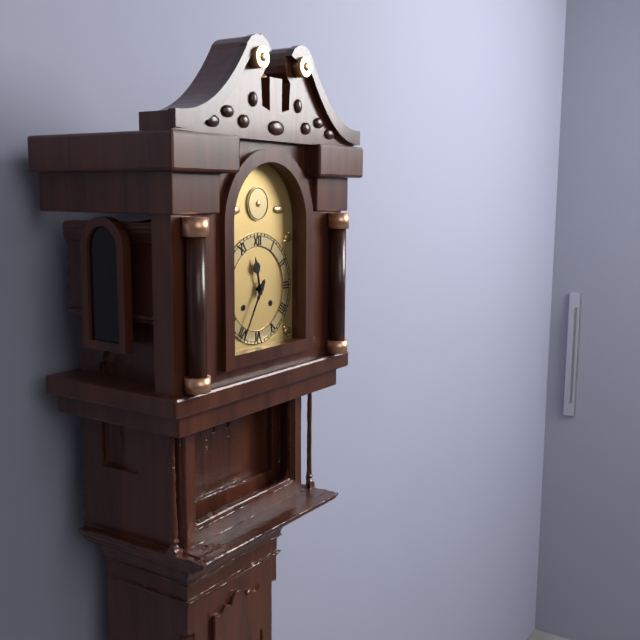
11.35
